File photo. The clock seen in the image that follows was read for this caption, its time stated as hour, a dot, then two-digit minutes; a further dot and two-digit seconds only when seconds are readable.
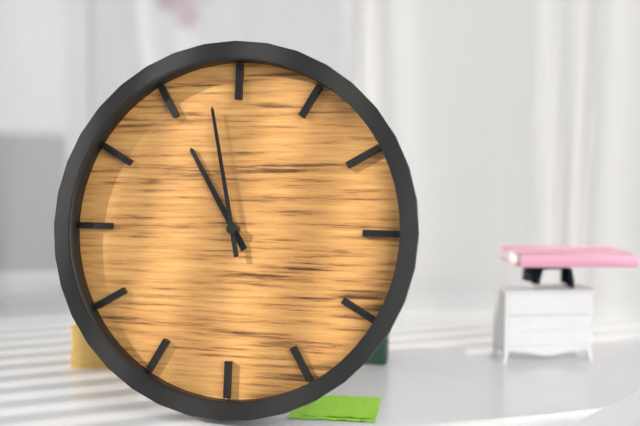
10.58
